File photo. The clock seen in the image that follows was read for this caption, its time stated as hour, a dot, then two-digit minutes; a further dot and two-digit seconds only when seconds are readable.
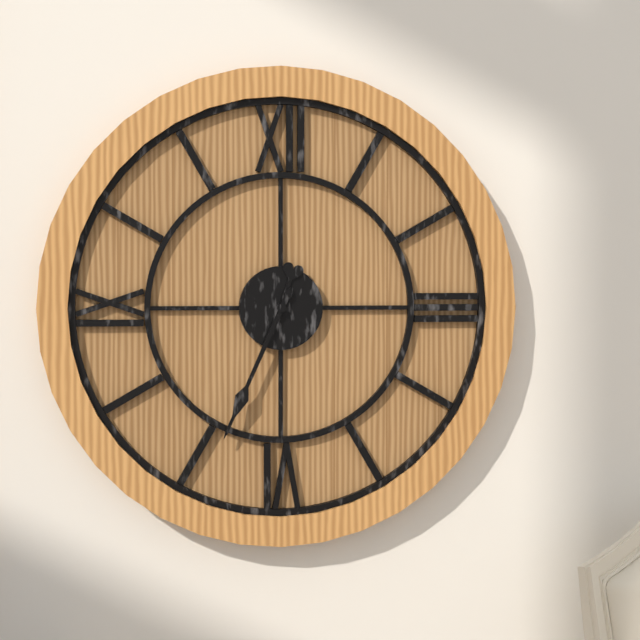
12.34
